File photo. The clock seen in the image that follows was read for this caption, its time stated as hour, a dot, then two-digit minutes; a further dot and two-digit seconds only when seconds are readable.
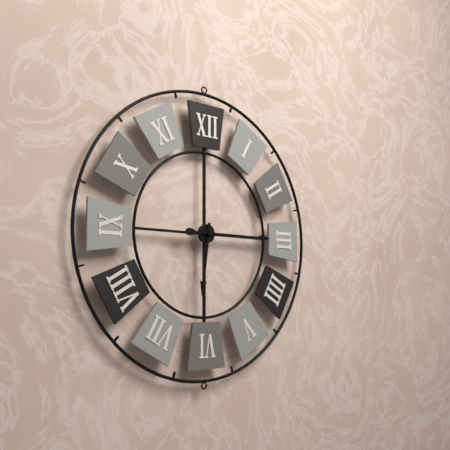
6.15
